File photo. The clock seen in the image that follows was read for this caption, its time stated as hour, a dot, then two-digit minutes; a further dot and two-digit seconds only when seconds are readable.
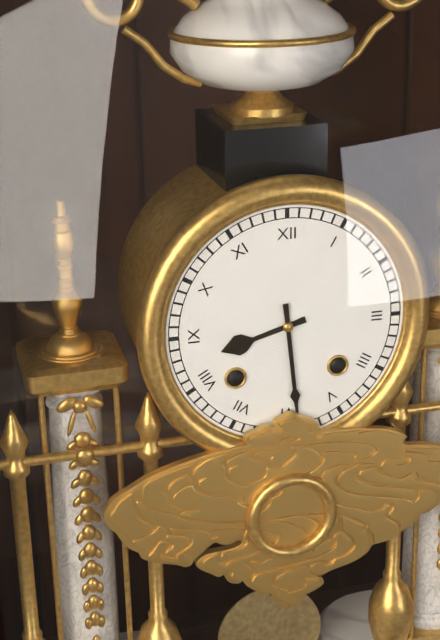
8.29
